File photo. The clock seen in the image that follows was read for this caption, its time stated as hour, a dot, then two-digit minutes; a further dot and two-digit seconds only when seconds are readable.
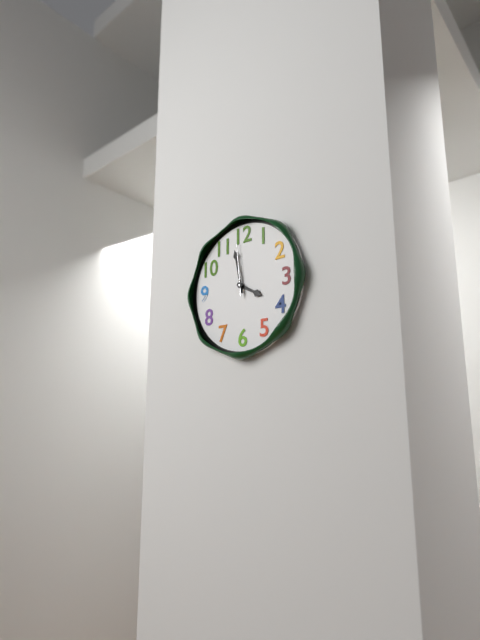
3.58.59
